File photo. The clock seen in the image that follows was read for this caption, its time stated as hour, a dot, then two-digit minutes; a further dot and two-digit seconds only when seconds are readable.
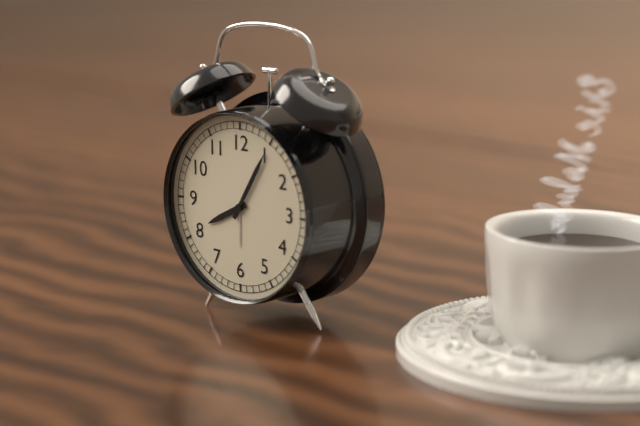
8.05
